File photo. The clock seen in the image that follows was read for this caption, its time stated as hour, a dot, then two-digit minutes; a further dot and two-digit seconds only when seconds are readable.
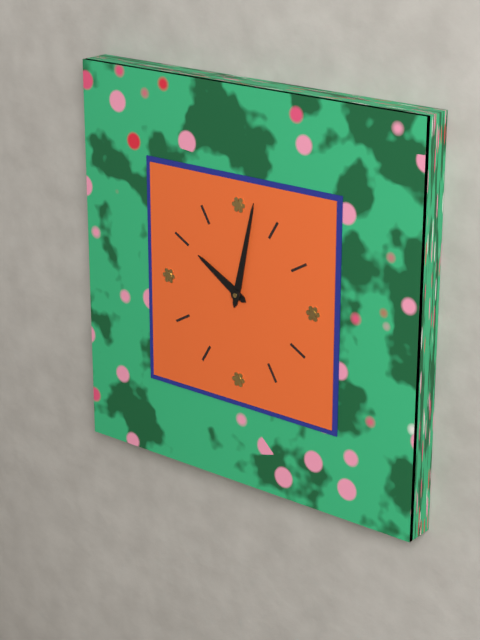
10.02
